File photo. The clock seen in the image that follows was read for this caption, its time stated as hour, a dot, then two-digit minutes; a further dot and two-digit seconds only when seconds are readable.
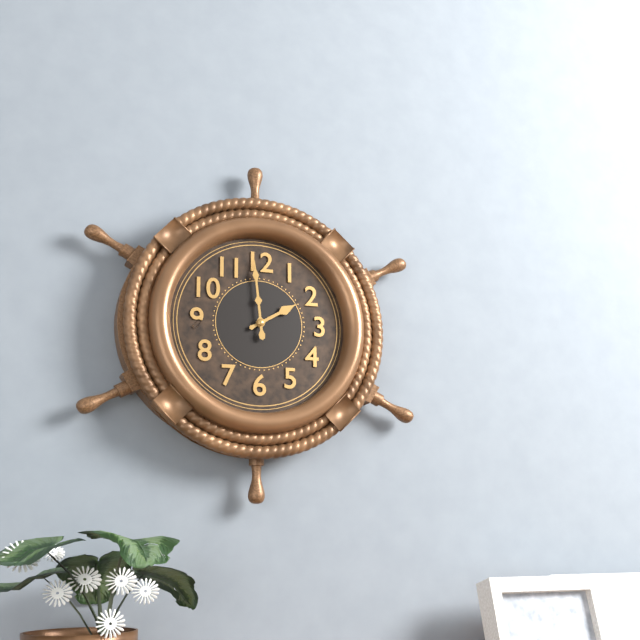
1.59
